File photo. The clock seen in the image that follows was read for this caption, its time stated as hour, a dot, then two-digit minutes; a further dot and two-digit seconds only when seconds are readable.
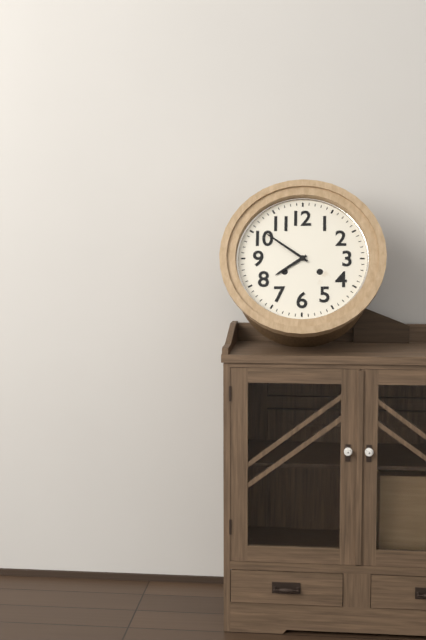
7.51
